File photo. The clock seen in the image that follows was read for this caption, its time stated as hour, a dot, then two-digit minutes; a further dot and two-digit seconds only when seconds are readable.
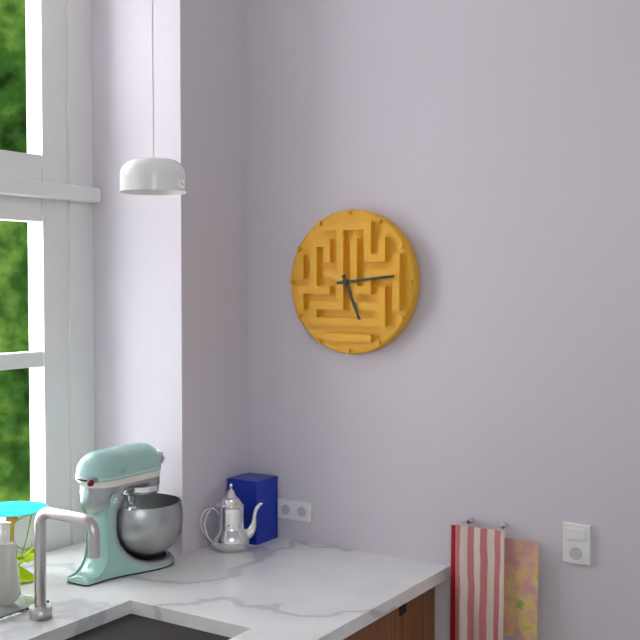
5.14
